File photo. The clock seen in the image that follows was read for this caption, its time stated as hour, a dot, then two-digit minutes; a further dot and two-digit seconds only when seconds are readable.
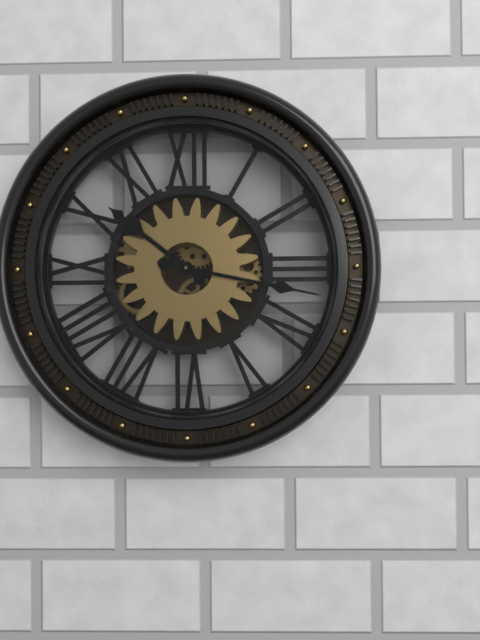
10.17
